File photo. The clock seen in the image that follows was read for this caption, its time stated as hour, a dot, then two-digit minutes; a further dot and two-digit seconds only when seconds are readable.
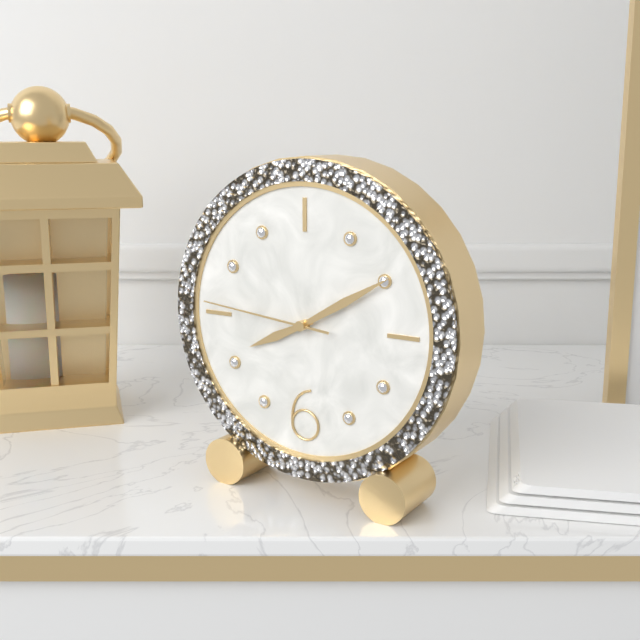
8.10.46
